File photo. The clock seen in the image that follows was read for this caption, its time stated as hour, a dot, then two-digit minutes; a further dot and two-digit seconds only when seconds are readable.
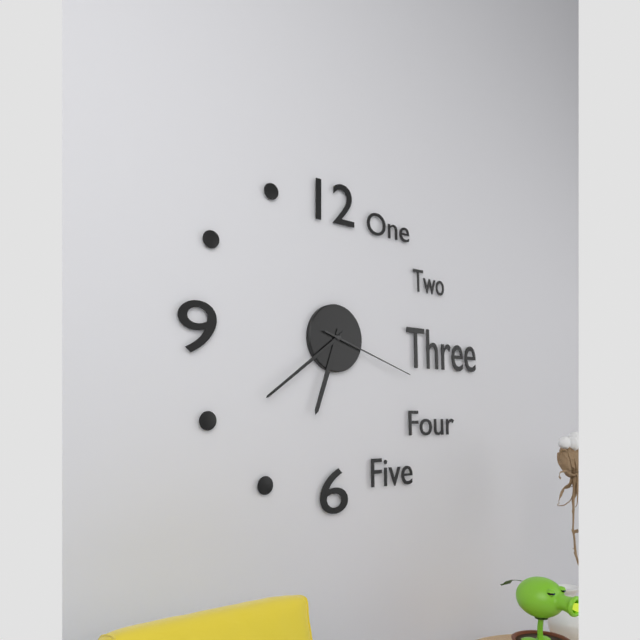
6.39.18
